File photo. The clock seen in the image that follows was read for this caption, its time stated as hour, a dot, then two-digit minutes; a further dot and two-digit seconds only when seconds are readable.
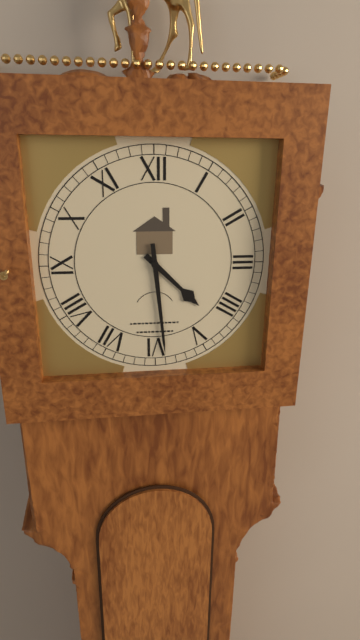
4.29
